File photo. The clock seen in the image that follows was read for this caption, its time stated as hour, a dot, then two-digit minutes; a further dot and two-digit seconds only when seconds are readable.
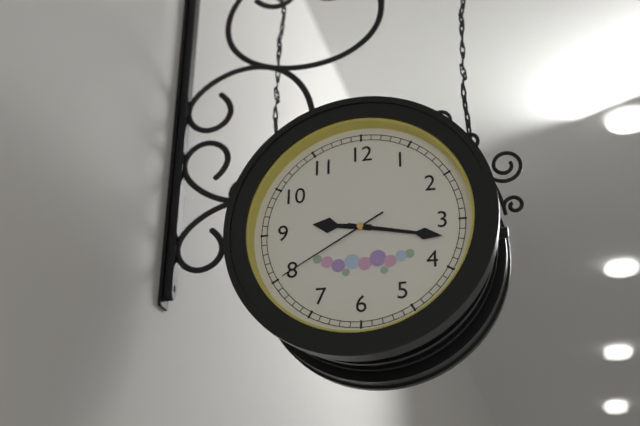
9.17.40
